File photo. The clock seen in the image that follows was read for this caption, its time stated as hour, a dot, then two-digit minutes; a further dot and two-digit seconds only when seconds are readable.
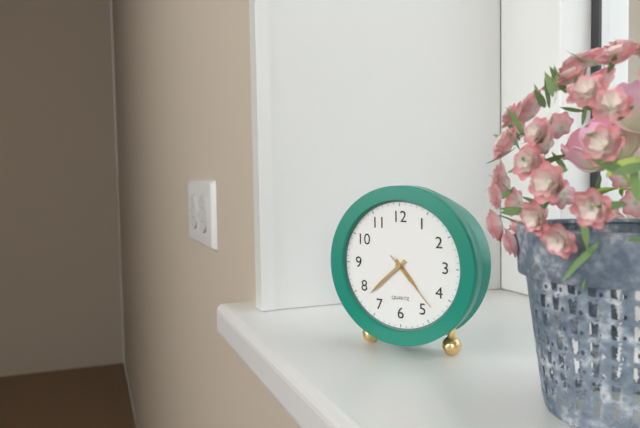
4.38.23
